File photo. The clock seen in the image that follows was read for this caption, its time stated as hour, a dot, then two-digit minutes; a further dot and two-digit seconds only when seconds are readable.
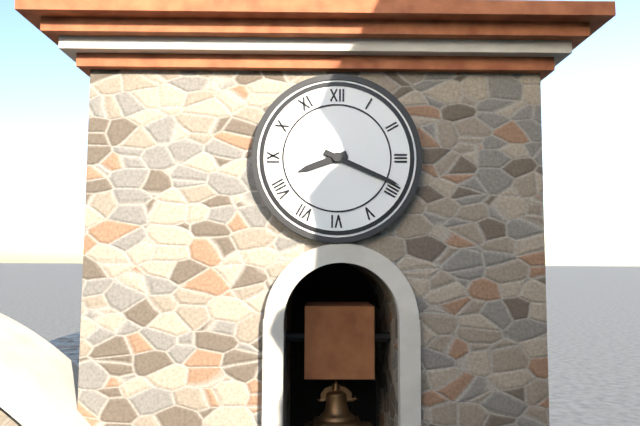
8.19
